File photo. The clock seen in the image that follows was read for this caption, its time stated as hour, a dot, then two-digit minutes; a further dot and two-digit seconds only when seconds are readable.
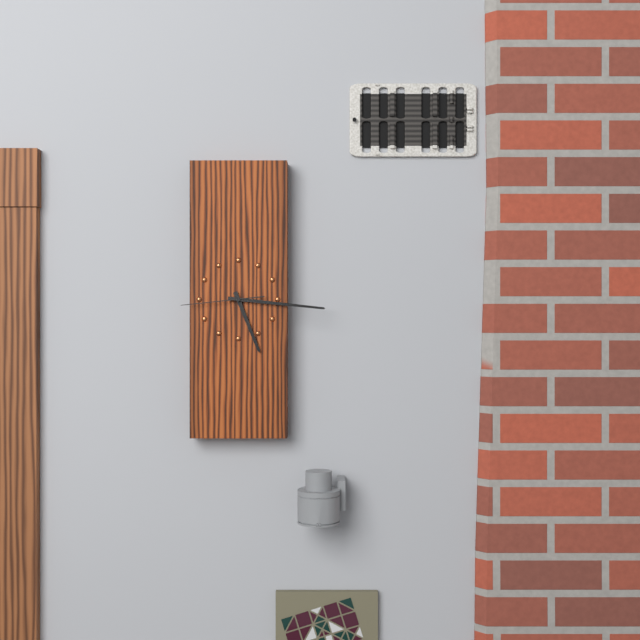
5.16.44
